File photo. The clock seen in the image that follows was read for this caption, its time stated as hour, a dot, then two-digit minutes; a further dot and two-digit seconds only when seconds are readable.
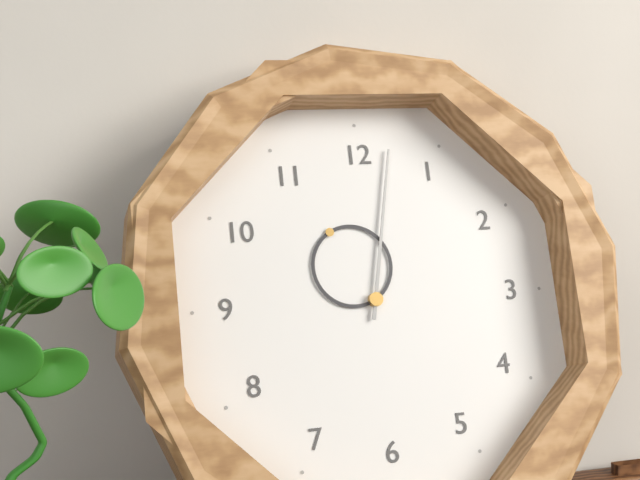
11.02
